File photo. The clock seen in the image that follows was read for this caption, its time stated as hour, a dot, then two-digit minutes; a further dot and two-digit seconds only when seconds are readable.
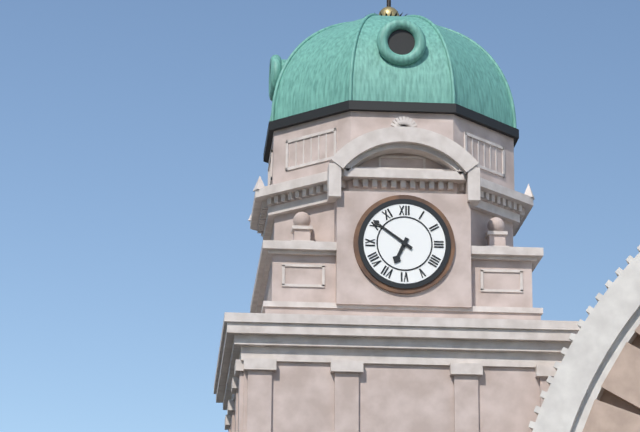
6.51
